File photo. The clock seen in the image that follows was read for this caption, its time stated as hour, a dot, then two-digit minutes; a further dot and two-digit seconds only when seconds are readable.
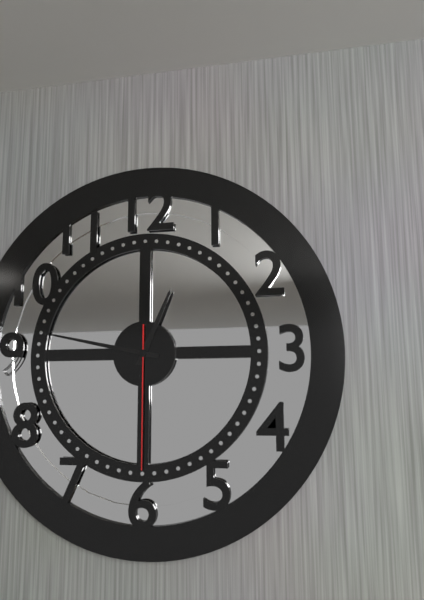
12.47.30
